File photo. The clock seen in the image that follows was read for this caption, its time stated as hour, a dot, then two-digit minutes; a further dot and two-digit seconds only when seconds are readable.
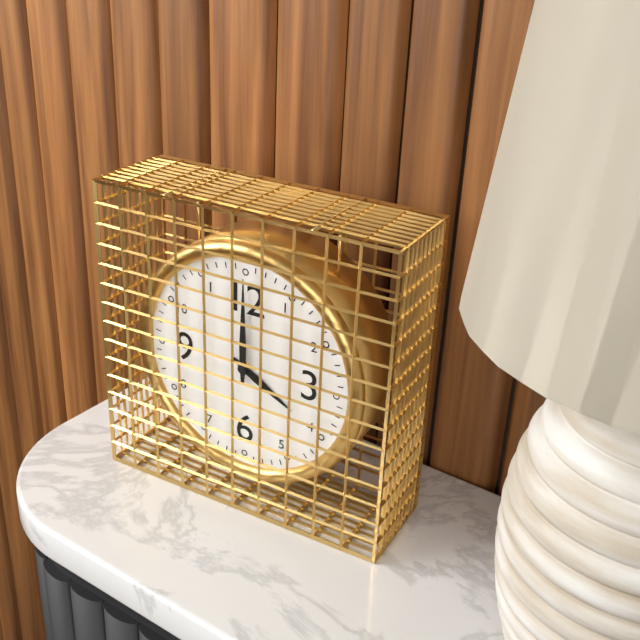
4.00
